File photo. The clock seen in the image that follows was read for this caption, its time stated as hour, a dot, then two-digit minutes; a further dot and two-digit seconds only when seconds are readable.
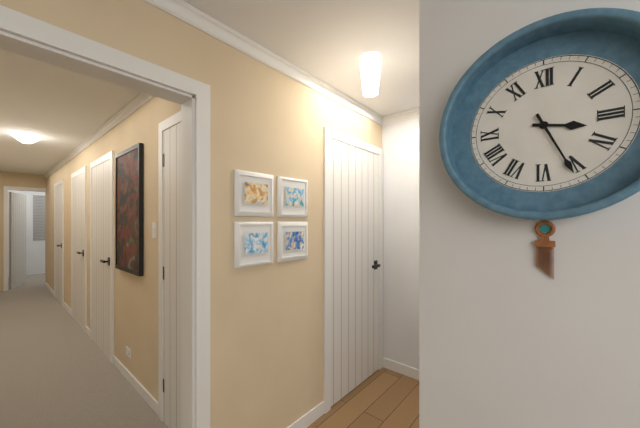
3.26
